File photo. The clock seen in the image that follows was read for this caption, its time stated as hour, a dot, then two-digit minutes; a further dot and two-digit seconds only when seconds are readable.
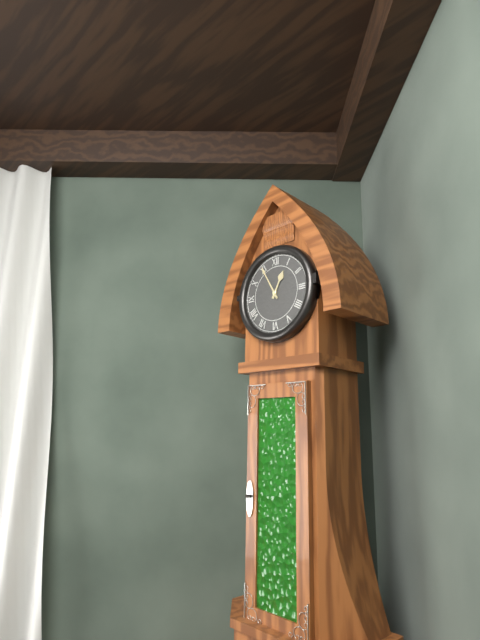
12.55
